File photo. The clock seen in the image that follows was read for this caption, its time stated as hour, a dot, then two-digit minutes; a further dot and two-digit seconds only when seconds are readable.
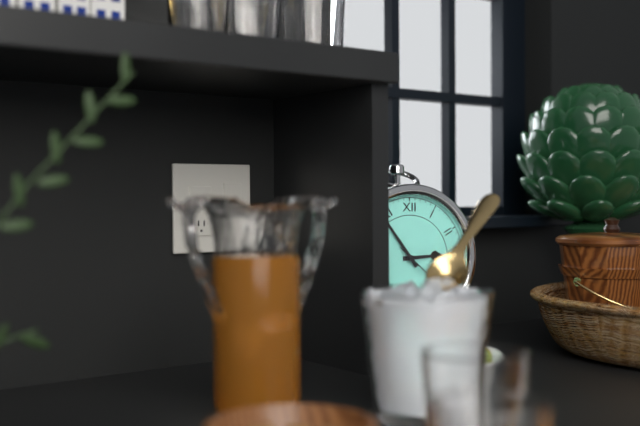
2.54
